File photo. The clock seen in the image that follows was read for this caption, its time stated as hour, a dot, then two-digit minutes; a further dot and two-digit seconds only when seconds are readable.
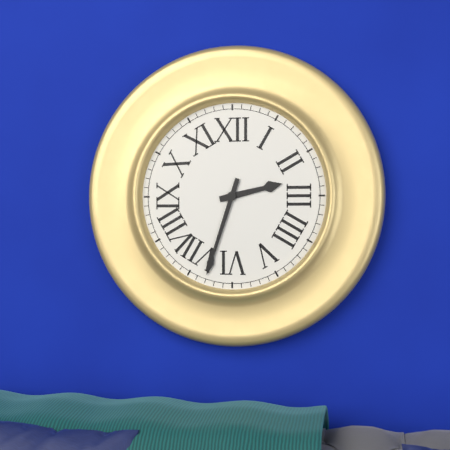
2.33
